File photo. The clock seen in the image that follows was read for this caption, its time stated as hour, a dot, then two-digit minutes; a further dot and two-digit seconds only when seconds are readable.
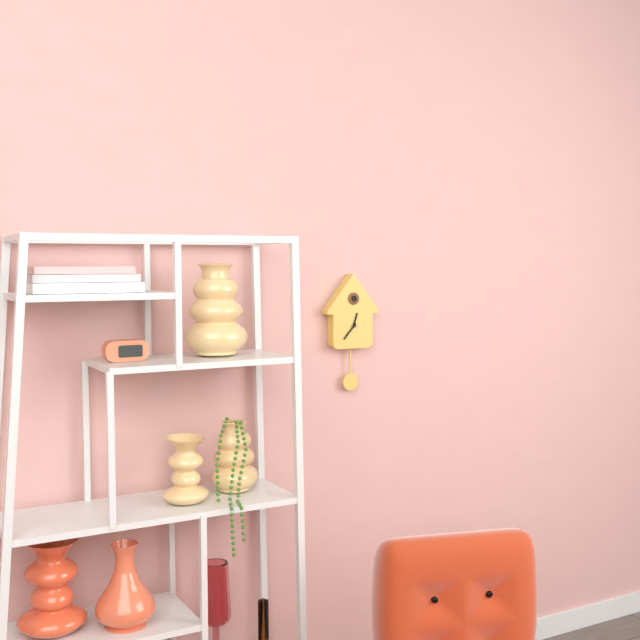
12.37
